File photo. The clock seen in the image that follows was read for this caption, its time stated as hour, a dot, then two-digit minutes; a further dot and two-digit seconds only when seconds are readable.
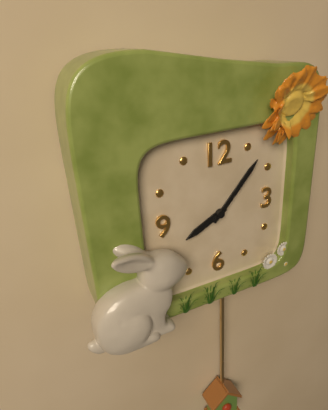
8.07
